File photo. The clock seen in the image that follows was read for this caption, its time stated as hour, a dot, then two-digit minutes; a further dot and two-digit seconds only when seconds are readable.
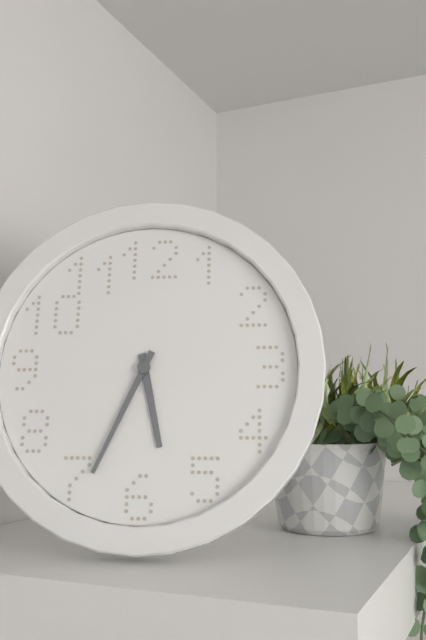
5.34
